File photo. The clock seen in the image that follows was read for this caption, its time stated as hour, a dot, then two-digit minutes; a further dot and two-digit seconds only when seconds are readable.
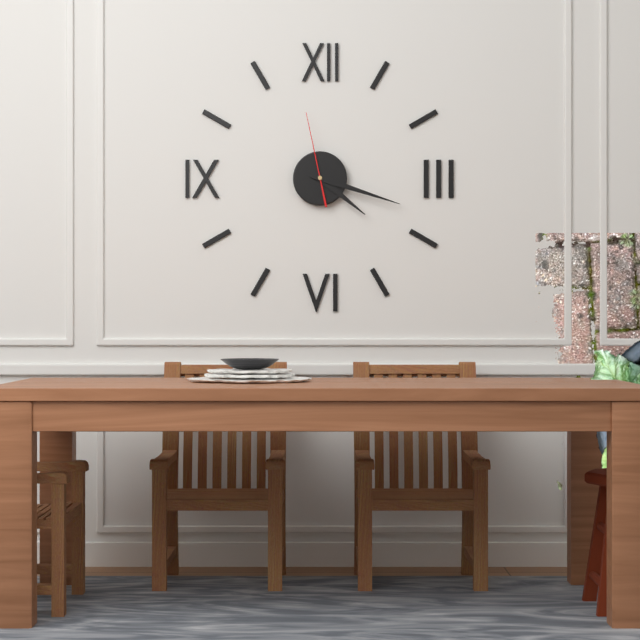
4.18.58
